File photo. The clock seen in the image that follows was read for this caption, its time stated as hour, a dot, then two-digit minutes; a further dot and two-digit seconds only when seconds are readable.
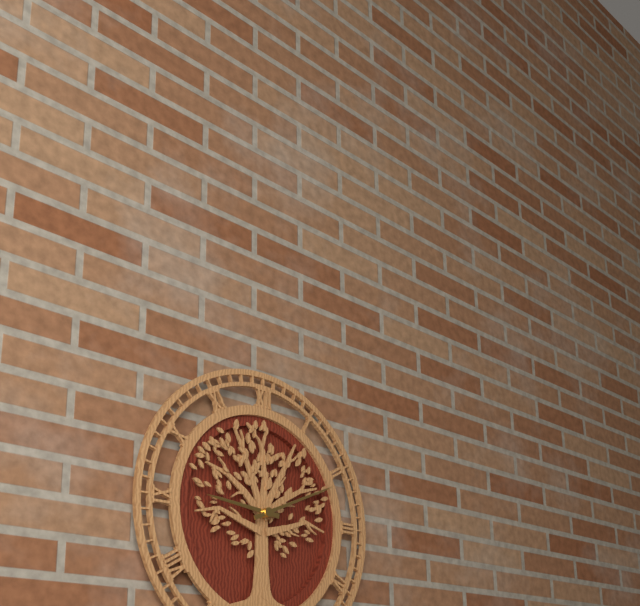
9.11
